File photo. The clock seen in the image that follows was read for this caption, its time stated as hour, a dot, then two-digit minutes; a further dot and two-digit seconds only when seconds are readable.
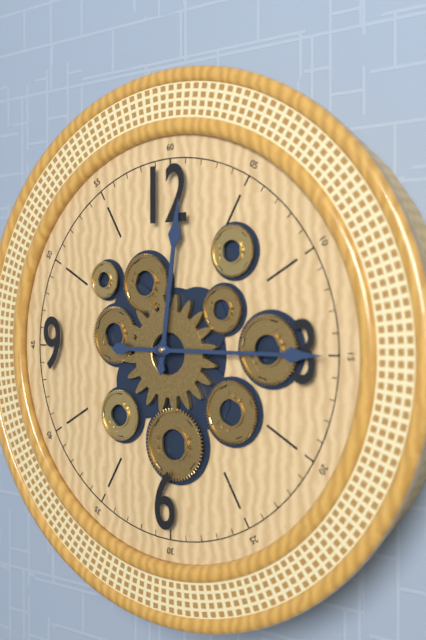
12.15
